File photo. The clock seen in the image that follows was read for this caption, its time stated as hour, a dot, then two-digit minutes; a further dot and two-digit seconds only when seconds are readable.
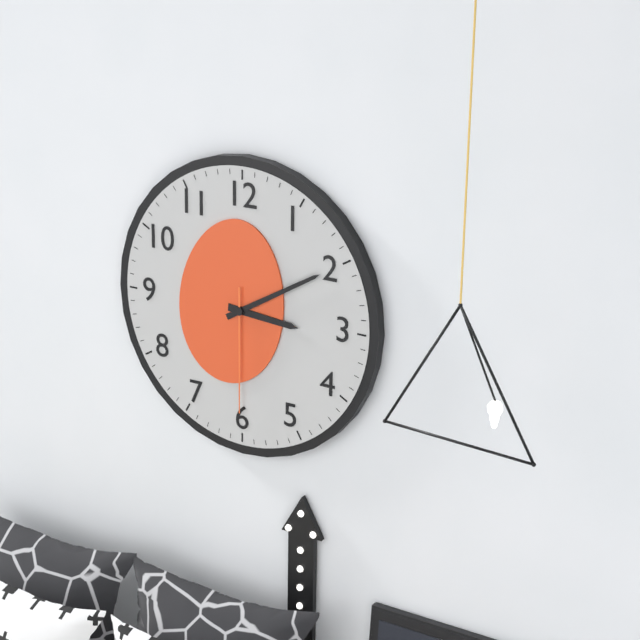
3.10.30
